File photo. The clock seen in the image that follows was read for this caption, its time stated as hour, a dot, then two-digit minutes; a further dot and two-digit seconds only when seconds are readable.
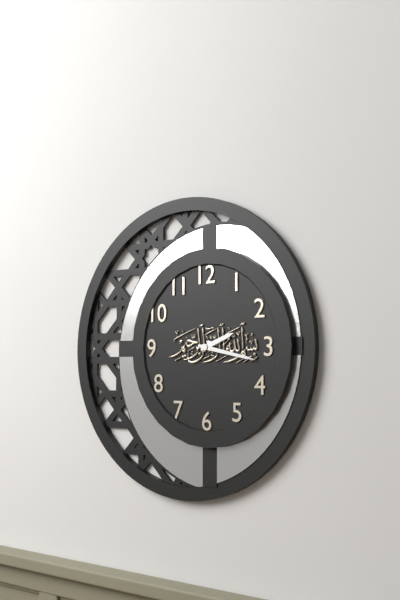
2.17
